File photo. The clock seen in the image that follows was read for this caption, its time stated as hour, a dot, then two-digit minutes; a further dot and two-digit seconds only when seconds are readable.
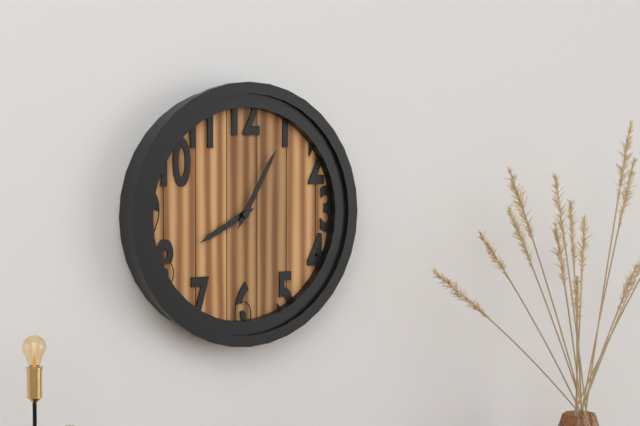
8.05
